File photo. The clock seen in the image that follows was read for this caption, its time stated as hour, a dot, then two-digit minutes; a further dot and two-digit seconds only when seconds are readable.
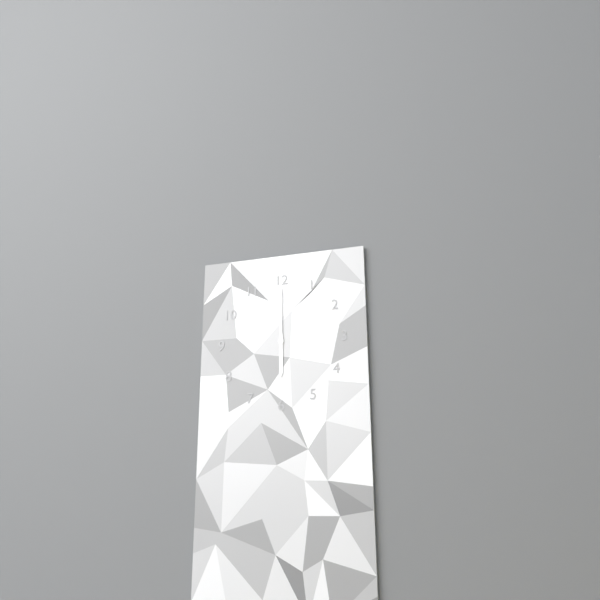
6.00
